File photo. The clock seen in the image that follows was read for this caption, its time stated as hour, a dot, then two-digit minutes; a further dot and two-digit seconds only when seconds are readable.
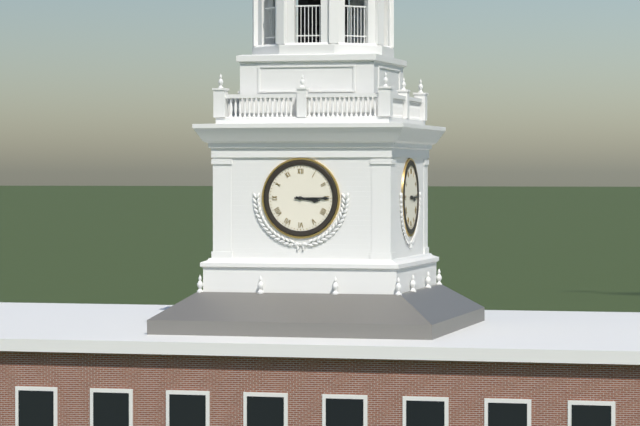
3.15
